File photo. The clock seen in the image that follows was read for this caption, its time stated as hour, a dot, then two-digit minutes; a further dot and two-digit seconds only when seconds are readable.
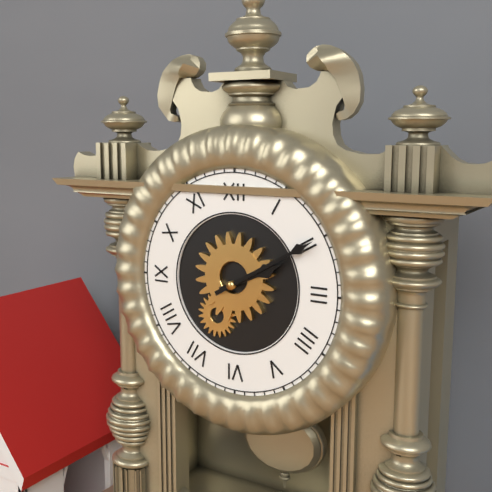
2.10
